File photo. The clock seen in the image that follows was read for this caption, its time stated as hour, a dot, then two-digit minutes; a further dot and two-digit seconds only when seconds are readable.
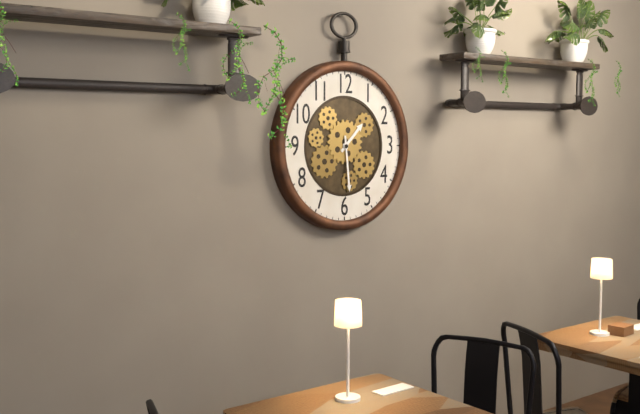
1.29
